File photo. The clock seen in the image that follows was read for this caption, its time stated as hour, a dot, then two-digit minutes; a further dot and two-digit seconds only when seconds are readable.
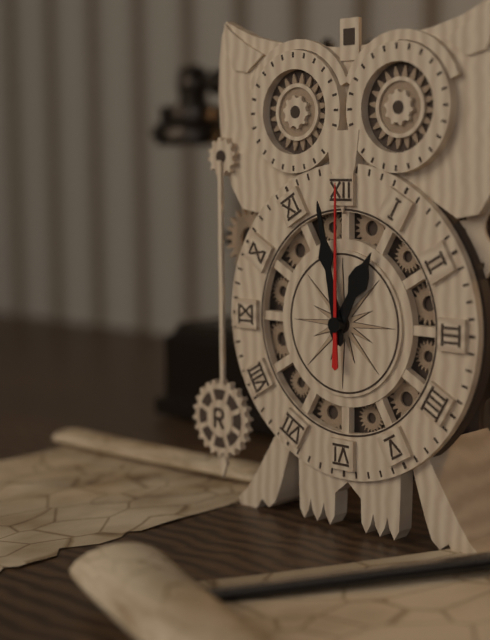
12.58.00
